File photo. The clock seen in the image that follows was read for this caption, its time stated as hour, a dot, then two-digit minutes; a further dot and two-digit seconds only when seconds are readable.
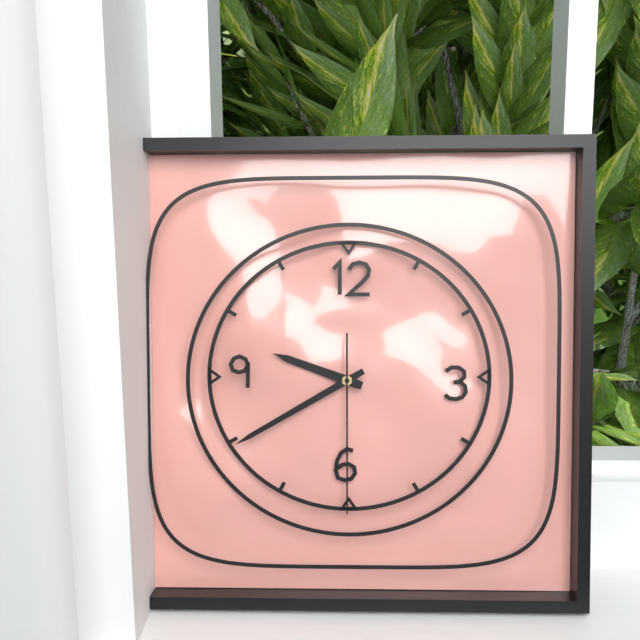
9.40.30
